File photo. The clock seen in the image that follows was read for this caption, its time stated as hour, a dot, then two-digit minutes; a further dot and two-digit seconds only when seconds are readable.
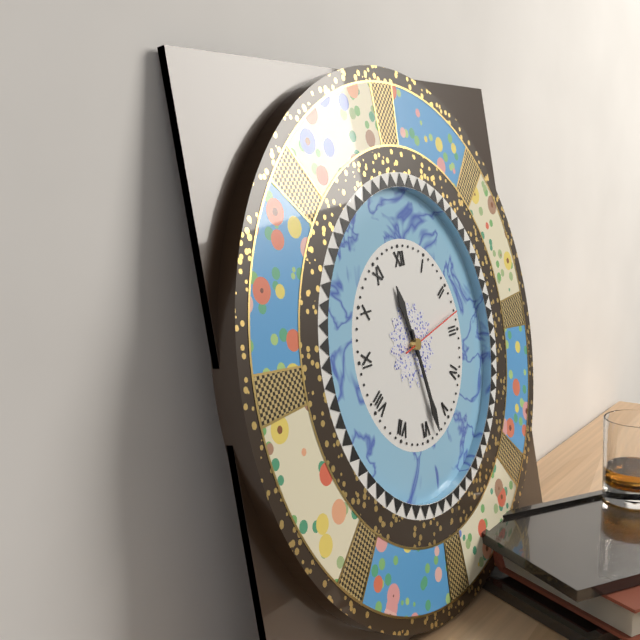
11.28.13
